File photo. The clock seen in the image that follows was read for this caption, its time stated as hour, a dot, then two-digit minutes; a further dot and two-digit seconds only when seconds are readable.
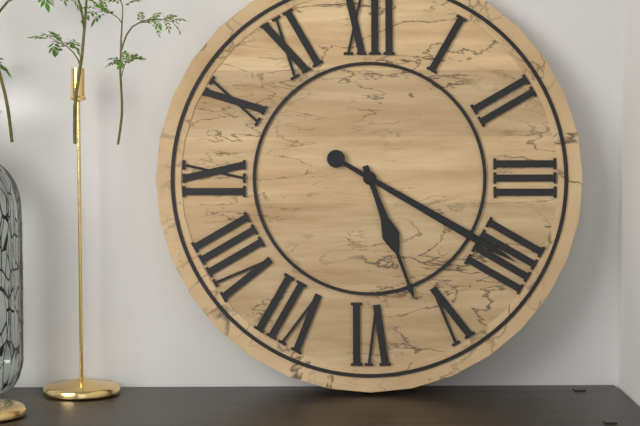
5.20
